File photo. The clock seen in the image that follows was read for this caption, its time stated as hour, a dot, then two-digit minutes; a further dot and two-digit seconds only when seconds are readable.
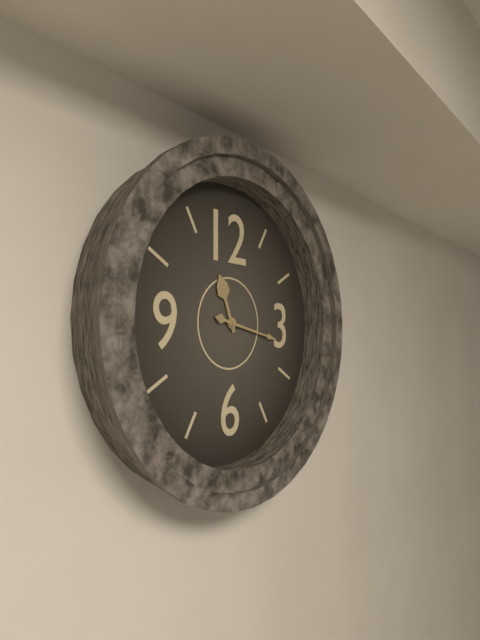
11.17
